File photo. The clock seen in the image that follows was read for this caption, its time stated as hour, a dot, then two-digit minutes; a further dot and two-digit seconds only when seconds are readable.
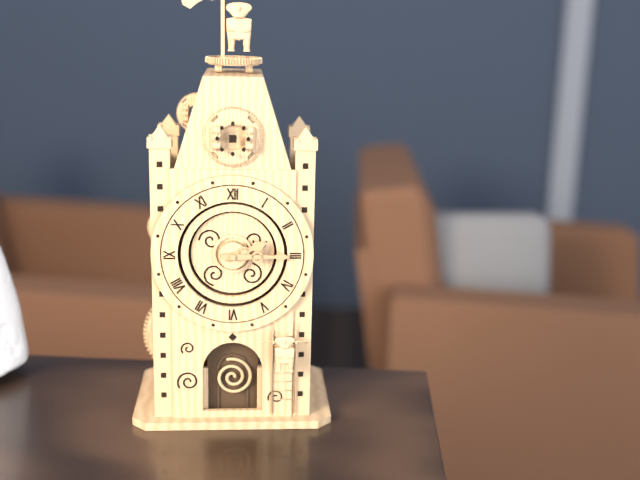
2.15
